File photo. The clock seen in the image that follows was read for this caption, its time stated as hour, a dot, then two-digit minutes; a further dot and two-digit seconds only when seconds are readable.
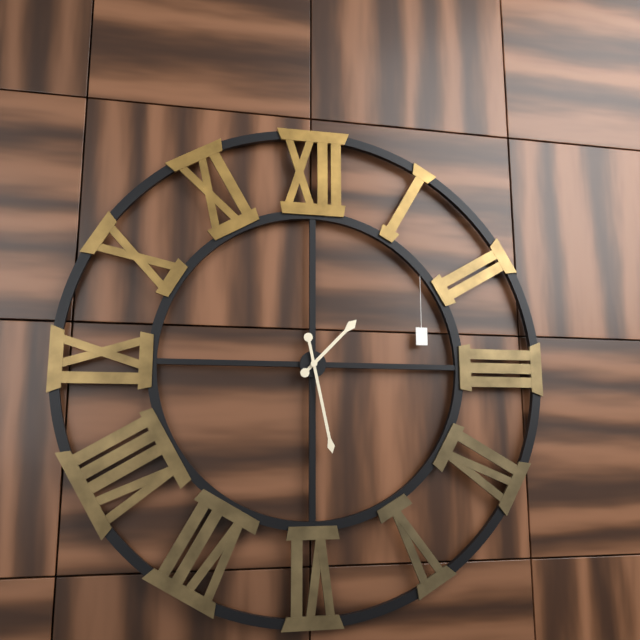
1.28
